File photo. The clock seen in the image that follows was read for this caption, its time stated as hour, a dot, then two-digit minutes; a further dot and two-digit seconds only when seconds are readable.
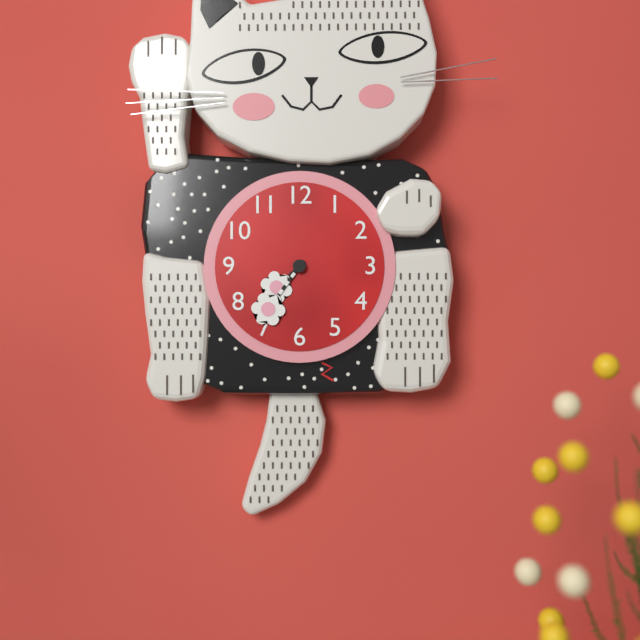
7.36
